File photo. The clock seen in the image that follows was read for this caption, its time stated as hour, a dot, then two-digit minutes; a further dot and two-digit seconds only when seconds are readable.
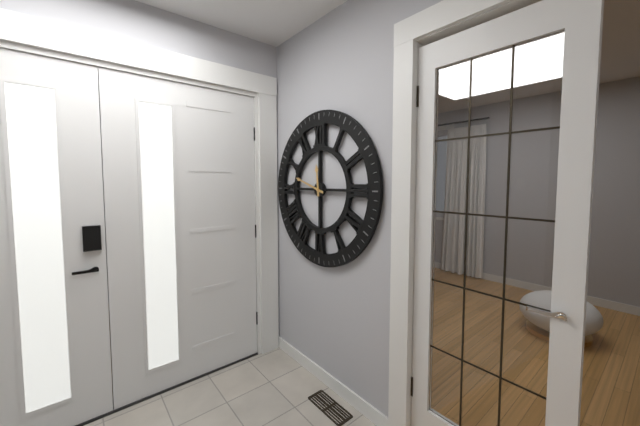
11.48
